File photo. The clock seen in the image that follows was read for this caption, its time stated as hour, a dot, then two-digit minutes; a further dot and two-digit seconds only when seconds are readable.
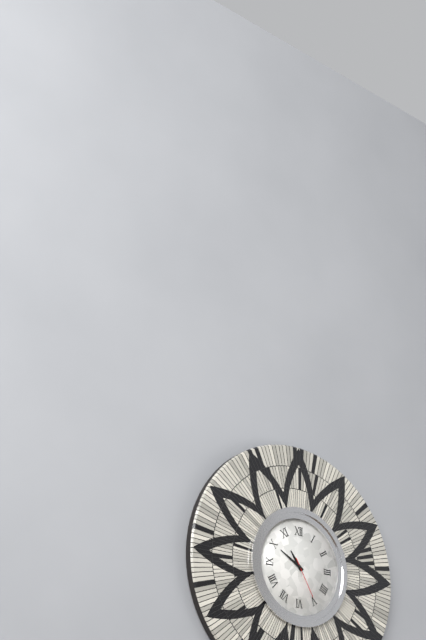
10.50
